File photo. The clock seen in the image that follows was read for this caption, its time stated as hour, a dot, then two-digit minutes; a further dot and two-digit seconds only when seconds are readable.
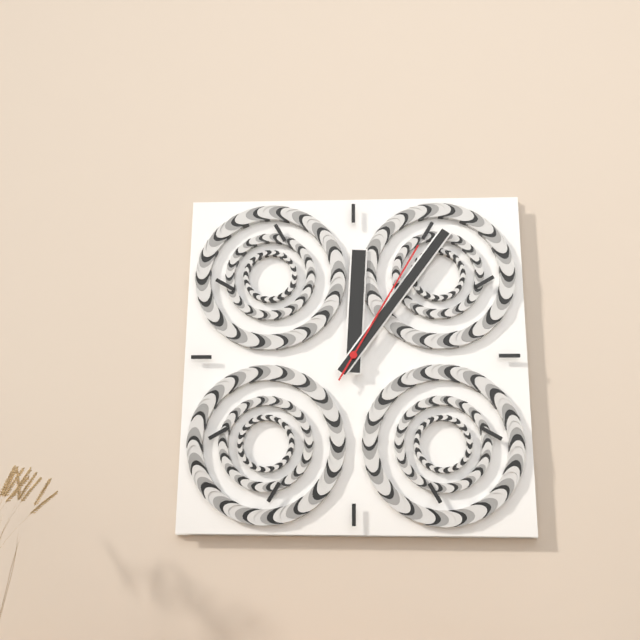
12.06.05
